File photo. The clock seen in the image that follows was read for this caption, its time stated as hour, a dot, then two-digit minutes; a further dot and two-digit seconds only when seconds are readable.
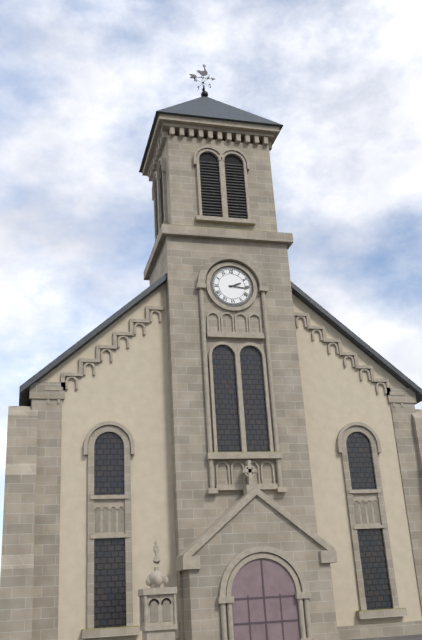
2.16
